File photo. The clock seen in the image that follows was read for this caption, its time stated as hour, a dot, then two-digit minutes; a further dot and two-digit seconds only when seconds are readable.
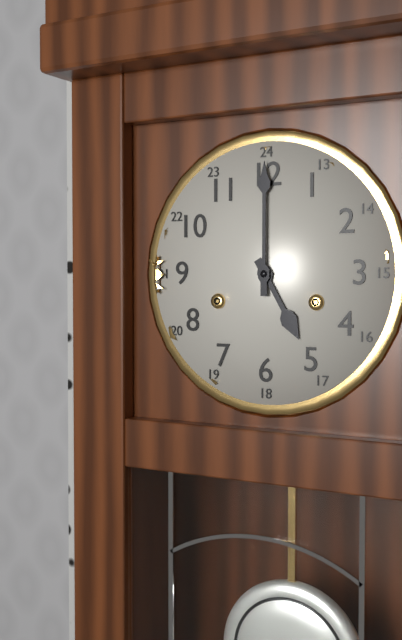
5.00
